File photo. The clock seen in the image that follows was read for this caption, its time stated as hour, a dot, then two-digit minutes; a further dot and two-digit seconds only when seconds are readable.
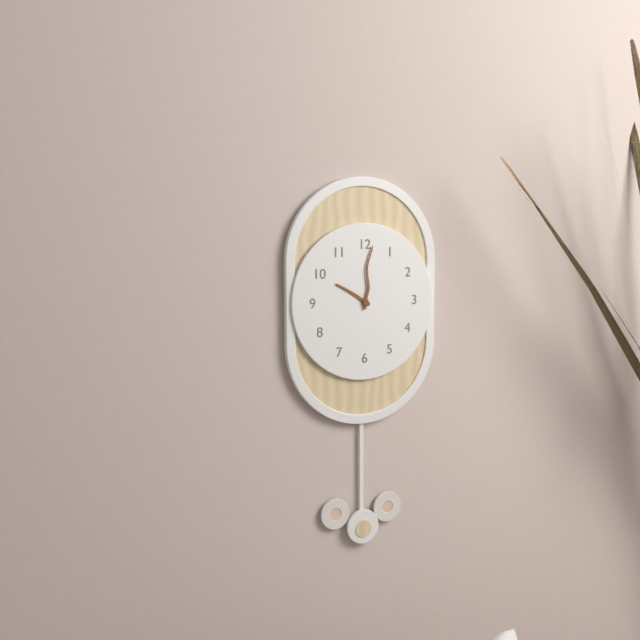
10.01
